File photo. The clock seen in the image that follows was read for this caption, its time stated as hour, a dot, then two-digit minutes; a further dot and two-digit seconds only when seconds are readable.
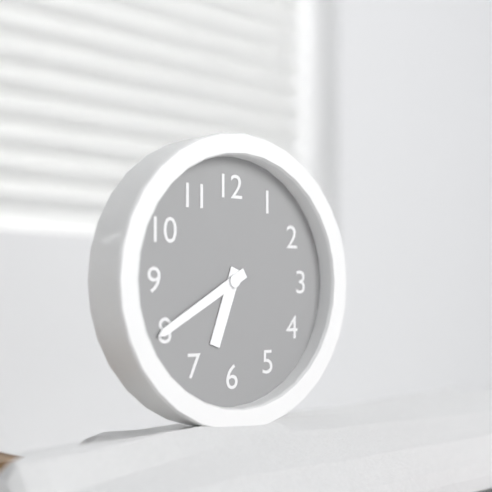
6.40
